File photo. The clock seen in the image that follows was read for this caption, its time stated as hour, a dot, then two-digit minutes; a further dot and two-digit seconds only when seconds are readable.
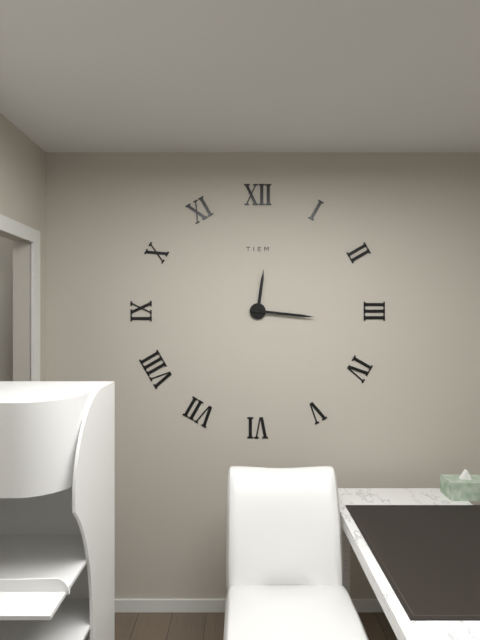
12.16
